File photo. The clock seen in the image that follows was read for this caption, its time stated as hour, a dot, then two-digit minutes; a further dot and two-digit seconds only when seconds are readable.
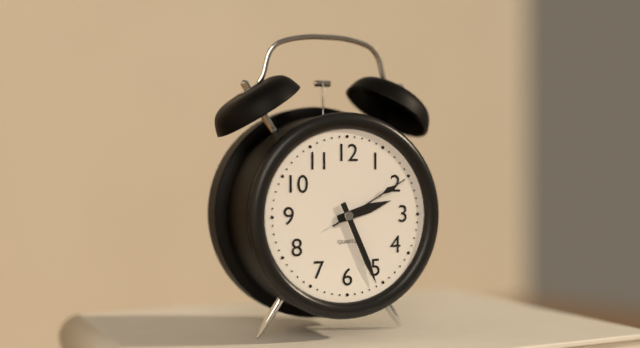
2.26.10
